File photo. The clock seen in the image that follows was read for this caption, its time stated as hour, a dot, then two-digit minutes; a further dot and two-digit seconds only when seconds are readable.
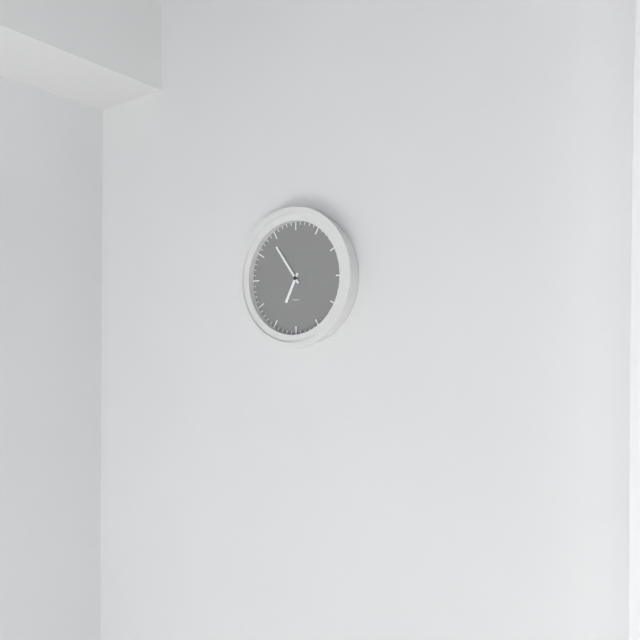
6.54
